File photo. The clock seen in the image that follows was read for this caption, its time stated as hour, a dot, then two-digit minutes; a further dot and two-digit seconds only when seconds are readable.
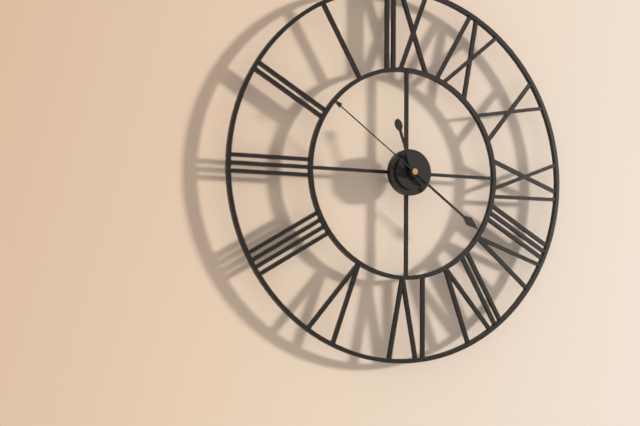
11.21.51
